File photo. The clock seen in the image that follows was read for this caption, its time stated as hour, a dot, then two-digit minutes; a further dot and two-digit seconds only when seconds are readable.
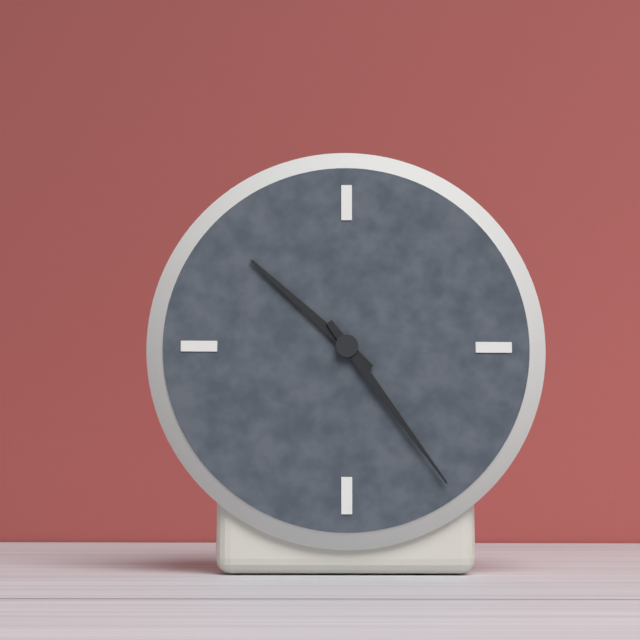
10.24
